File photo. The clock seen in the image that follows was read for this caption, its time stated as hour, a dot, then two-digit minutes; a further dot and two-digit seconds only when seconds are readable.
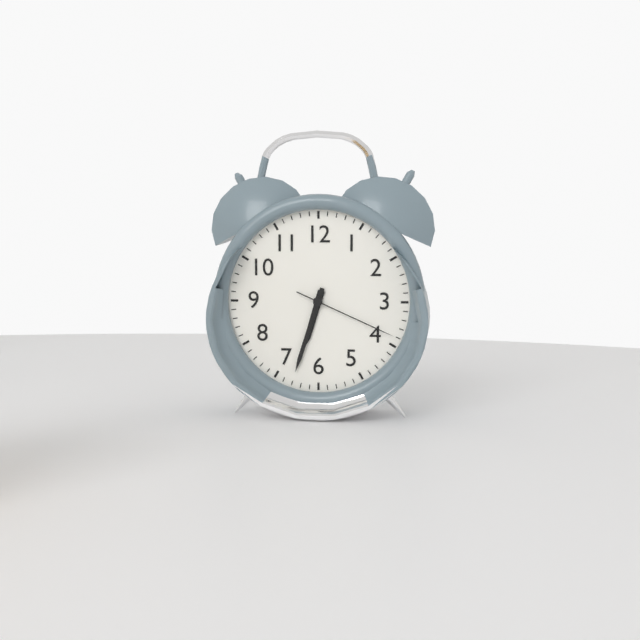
6.33.19
